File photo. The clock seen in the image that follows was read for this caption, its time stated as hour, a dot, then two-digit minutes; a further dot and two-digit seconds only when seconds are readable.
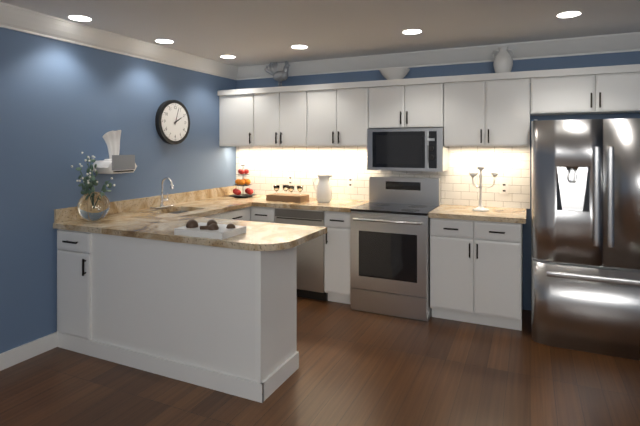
2.03
